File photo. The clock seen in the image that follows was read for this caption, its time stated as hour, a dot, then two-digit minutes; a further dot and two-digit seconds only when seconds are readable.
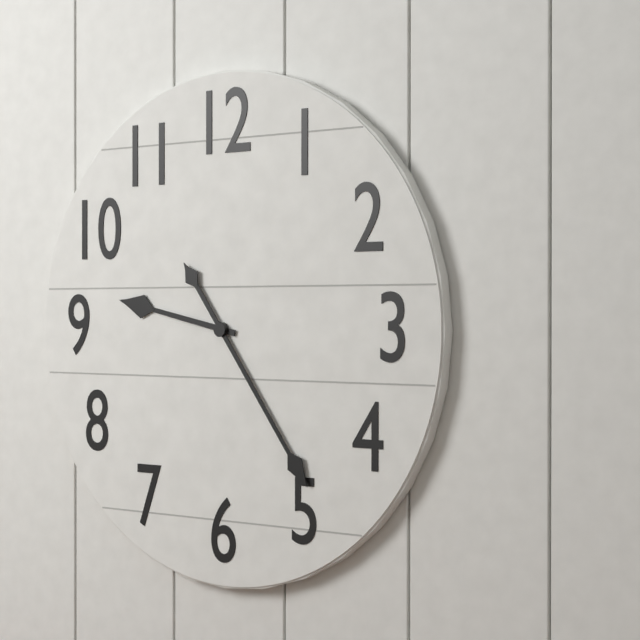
9.24
